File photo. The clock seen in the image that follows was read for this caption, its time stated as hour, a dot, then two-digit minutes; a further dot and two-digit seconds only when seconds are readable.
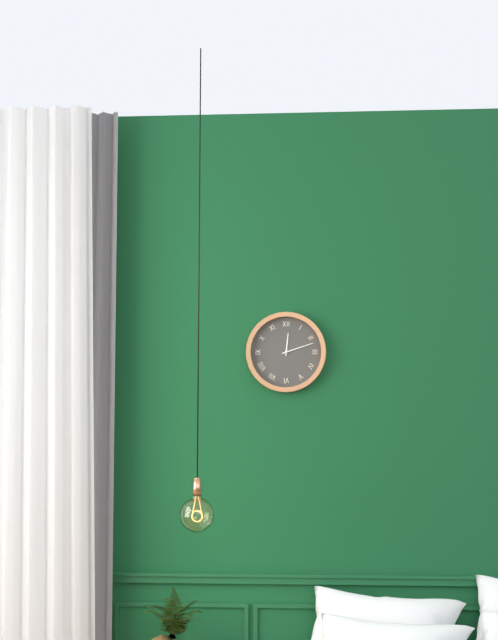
12.12
